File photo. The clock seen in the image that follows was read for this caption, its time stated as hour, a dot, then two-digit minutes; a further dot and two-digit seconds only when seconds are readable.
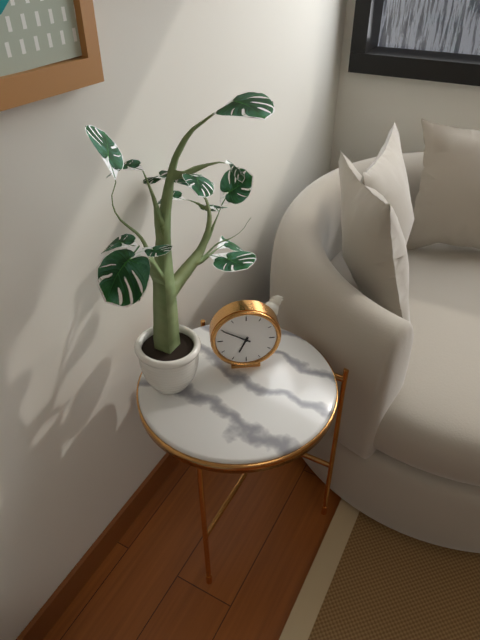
6.50
